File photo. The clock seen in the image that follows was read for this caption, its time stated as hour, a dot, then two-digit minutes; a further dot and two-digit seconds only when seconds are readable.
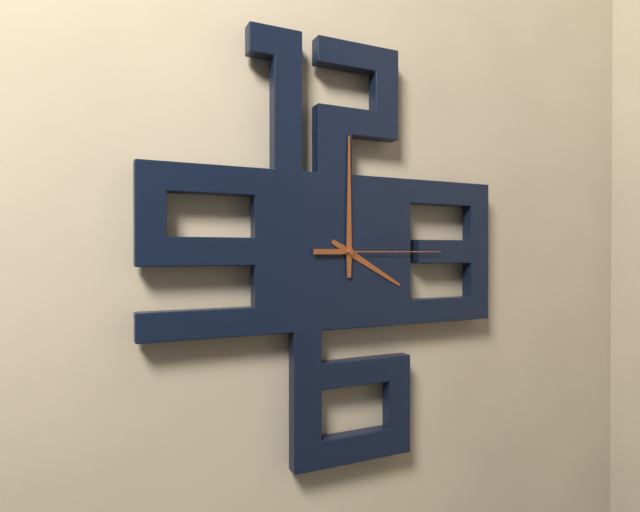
4.00.15
